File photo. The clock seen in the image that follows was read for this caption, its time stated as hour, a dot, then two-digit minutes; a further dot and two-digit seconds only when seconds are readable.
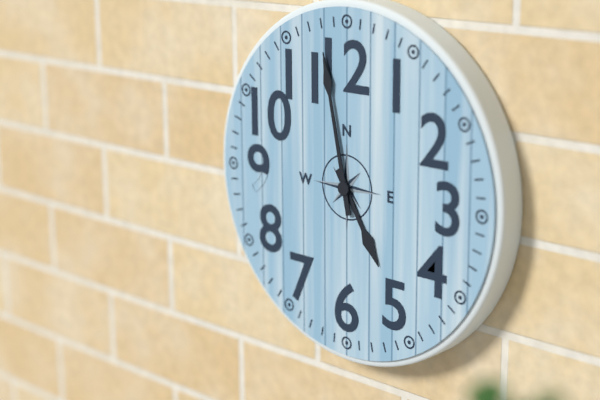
4.58
